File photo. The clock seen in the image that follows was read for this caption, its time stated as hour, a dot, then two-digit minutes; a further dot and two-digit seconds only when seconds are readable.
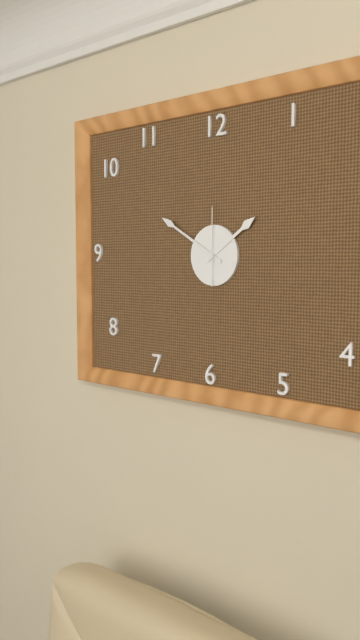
1.50.00
